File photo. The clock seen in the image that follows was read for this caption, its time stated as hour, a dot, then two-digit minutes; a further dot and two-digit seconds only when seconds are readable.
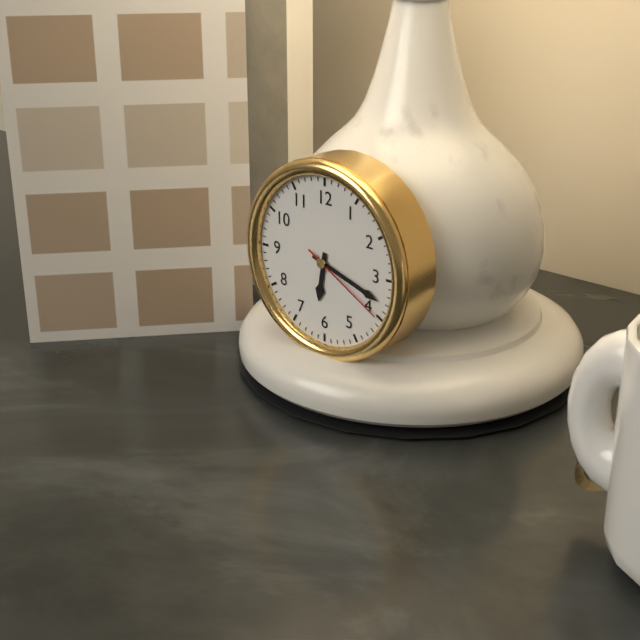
6.18.20
